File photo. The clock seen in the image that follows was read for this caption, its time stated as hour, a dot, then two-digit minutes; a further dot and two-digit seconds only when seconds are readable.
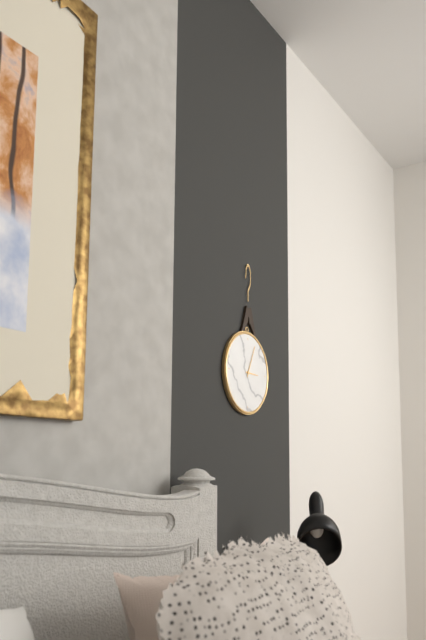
3.04
